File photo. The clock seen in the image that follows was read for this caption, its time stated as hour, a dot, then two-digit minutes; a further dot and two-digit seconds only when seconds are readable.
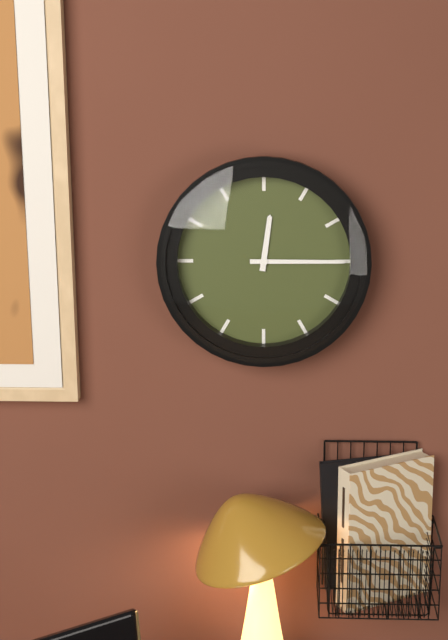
12.15
